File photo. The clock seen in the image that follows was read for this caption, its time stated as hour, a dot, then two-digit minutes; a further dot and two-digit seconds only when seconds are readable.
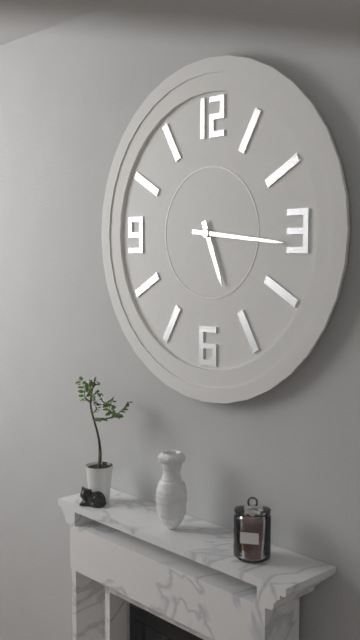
5.16
